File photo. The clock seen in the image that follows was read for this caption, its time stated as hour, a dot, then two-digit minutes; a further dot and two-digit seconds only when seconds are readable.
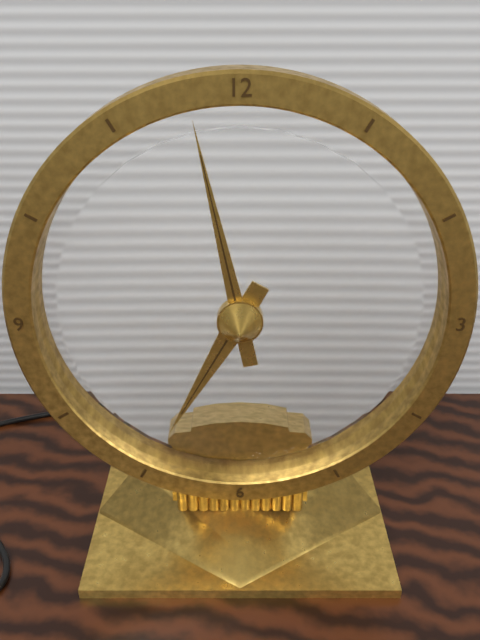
6.58
